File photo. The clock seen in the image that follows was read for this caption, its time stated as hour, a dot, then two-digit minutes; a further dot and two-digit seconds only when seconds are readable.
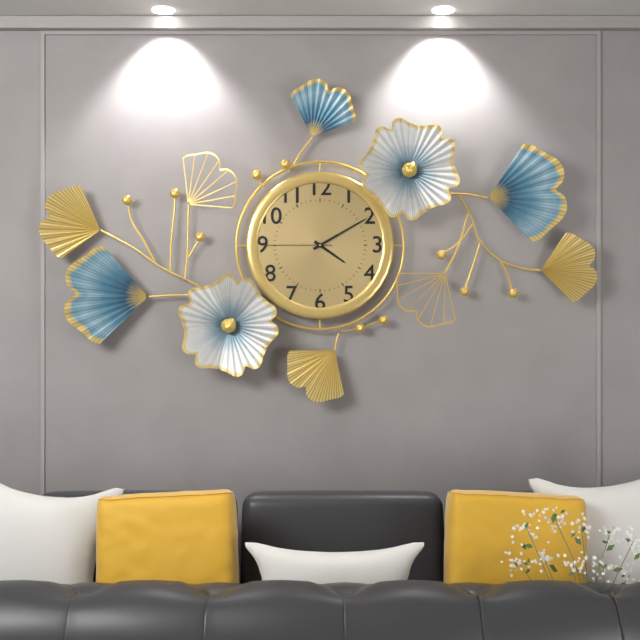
4.10.45
